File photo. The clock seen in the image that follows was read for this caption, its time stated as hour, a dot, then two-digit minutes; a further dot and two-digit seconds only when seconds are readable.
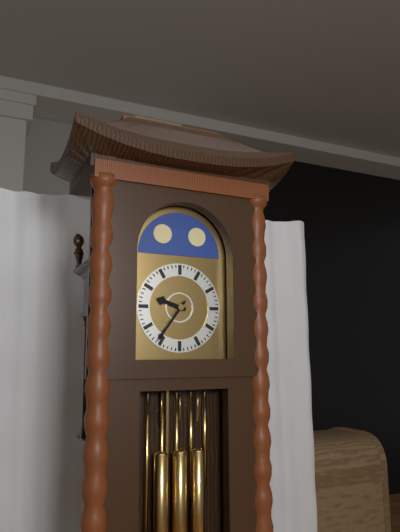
9.36
